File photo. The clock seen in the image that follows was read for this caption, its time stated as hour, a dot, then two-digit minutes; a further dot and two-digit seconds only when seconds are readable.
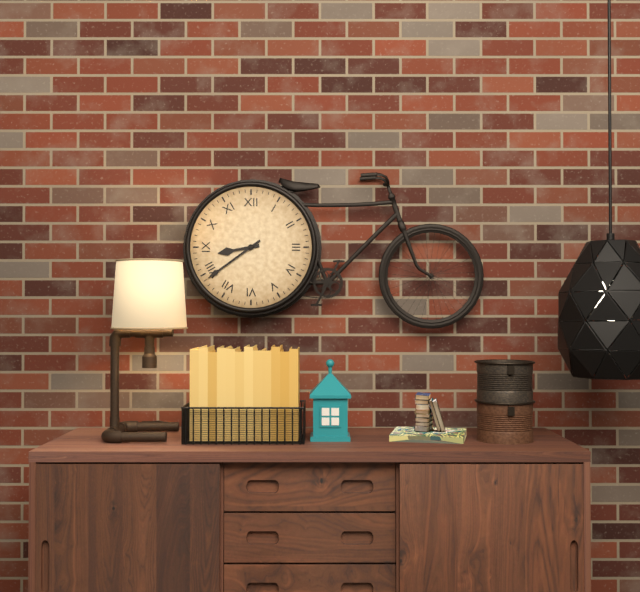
8.39
